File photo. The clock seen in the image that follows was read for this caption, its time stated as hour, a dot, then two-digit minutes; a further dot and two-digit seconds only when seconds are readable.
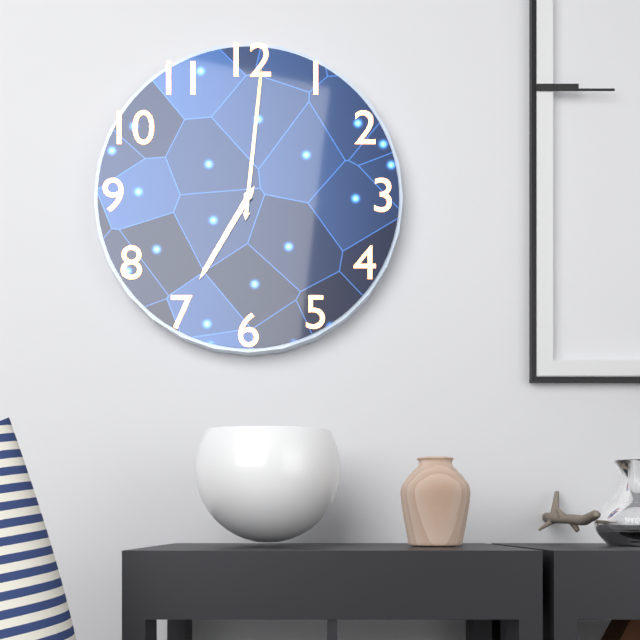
7.01
